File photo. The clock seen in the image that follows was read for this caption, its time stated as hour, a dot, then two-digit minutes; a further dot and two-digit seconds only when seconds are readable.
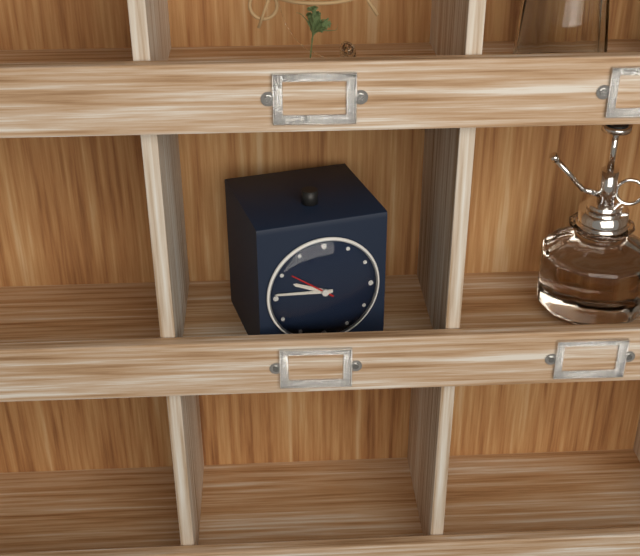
9.46
